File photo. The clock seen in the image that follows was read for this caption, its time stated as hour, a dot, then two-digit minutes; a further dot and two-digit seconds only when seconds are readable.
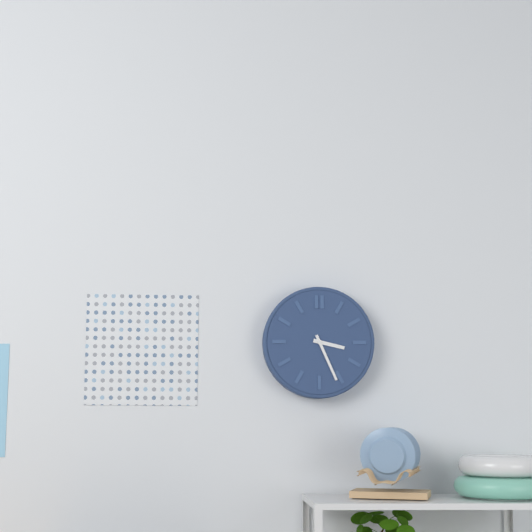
3.26
